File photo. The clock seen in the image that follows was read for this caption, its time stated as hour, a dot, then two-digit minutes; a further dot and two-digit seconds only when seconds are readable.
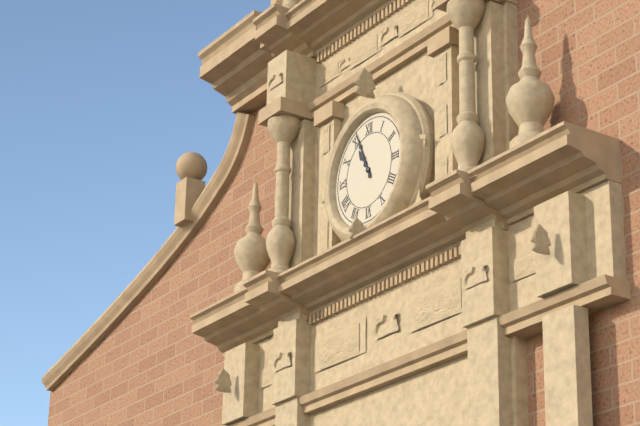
10.56
